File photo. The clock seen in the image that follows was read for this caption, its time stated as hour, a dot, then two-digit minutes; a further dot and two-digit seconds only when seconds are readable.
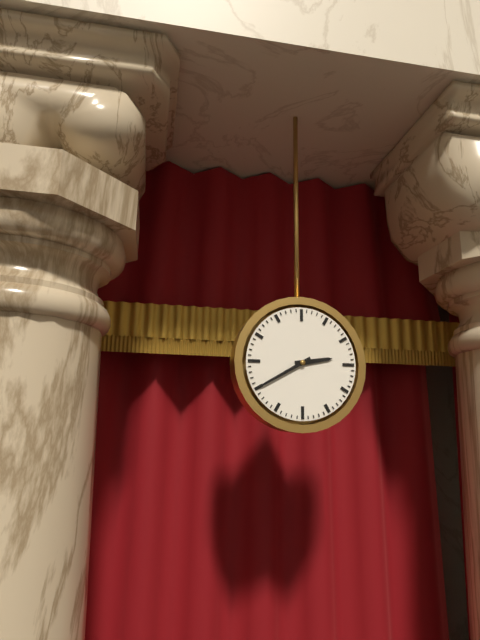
2.40
